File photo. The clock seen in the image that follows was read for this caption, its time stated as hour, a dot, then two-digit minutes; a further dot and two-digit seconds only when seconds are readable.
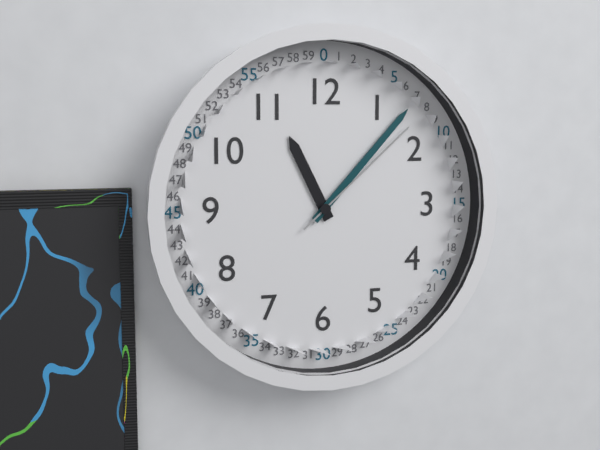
11.07.08
